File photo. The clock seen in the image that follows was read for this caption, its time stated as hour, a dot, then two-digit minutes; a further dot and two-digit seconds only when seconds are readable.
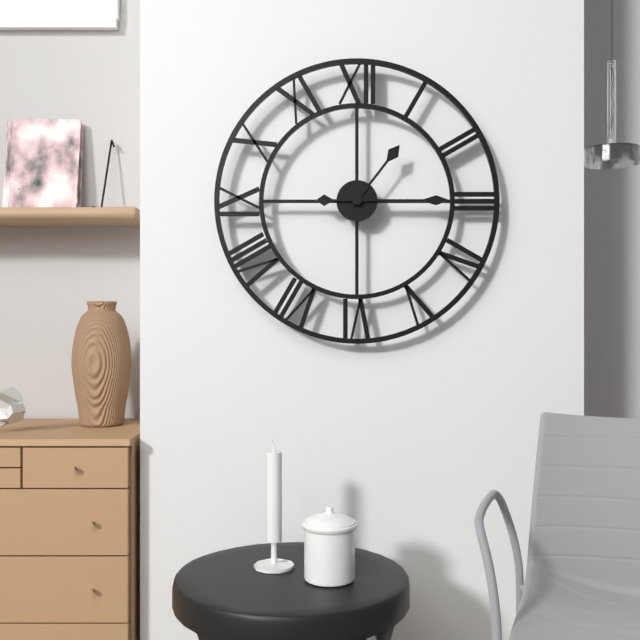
1.15
